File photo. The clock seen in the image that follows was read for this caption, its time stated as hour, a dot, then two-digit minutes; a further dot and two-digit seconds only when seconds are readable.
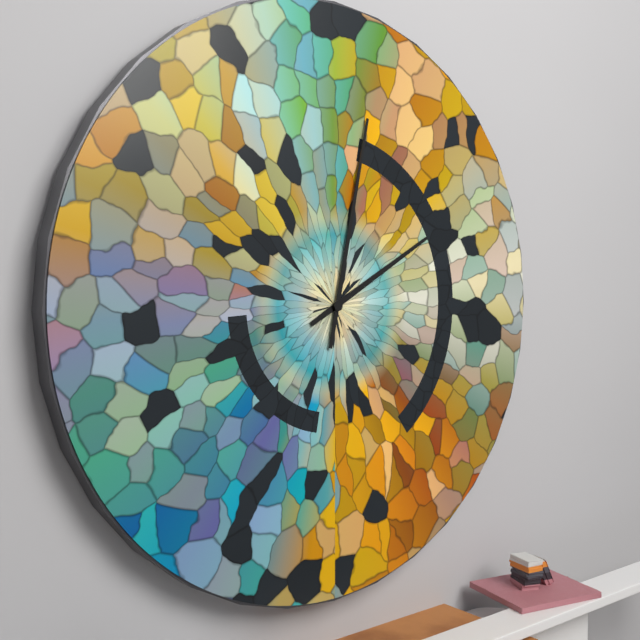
2.02
